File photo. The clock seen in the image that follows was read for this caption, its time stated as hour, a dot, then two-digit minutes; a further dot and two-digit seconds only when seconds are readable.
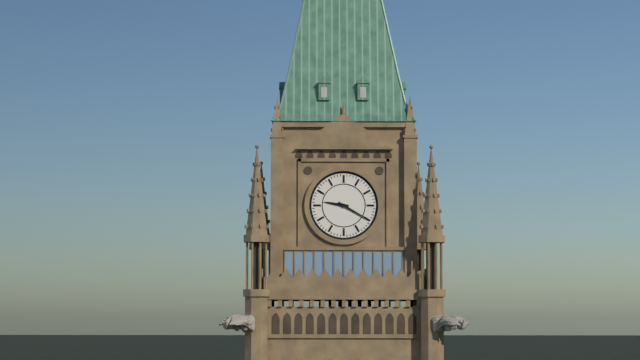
9.20
